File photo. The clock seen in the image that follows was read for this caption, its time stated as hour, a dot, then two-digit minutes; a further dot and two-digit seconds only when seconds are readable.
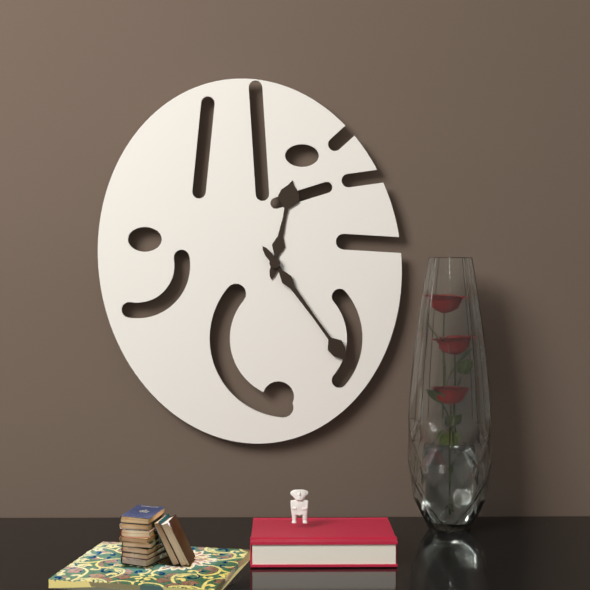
12.24
